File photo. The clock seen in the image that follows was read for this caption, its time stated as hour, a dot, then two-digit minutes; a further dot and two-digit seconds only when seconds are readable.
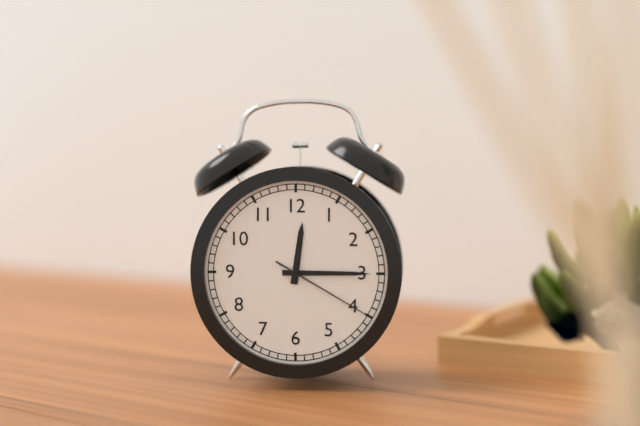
12.15.20
